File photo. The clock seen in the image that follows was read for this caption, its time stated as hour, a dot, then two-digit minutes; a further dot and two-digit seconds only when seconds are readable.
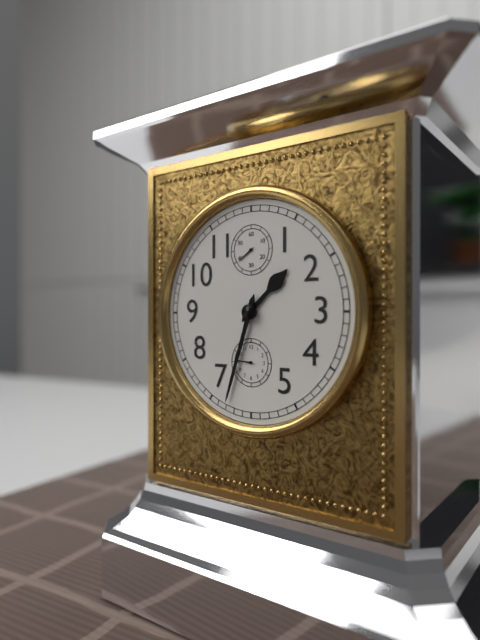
1.33
